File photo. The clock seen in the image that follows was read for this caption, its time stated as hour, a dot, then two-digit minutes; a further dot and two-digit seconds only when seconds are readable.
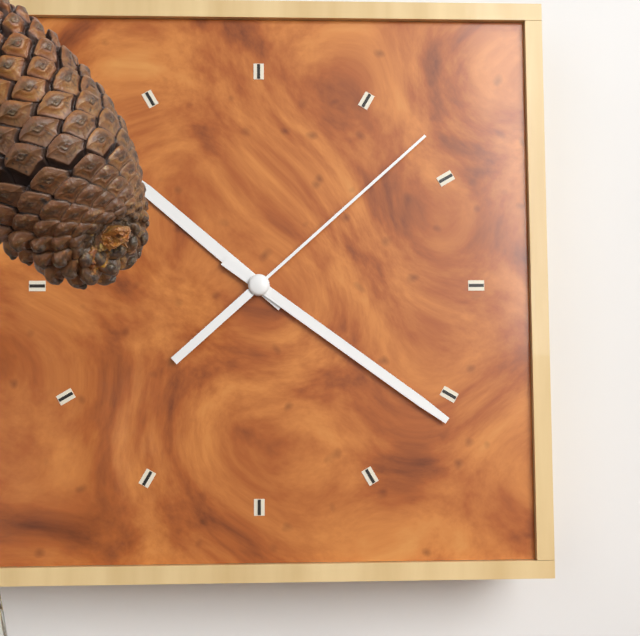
10.21.08
